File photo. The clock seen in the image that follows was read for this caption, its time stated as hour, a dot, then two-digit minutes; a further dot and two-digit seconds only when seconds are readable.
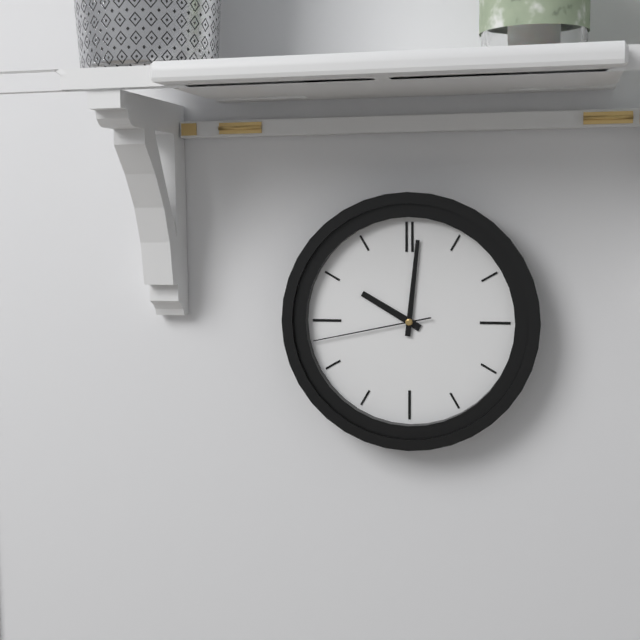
10.01.43
